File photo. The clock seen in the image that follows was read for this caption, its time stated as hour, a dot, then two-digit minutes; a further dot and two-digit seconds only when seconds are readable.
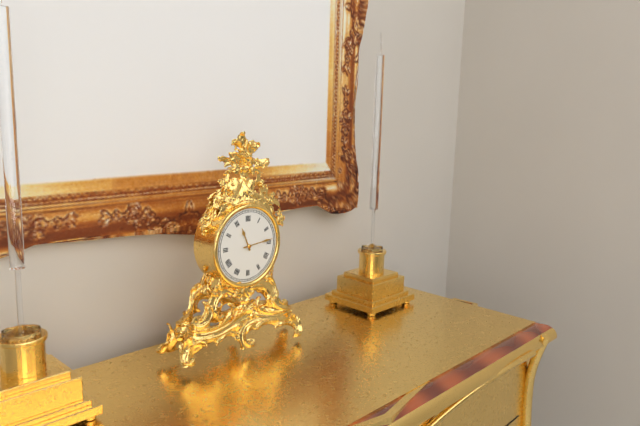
11.14
